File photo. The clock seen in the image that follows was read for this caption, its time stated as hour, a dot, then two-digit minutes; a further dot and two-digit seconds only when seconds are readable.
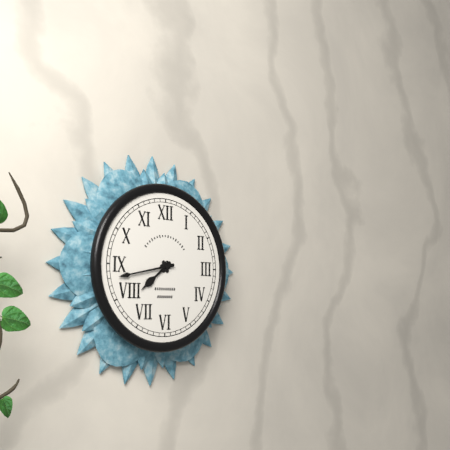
7.43
